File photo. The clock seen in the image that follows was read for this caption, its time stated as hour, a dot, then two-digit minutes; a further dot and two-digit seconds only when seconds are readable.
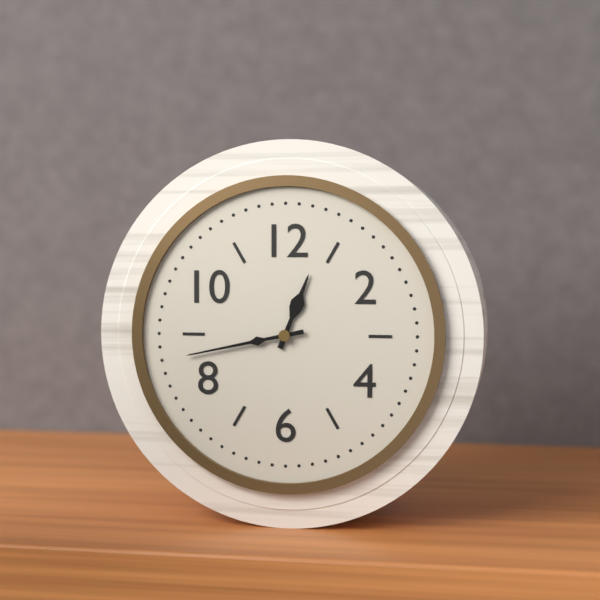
12.43
